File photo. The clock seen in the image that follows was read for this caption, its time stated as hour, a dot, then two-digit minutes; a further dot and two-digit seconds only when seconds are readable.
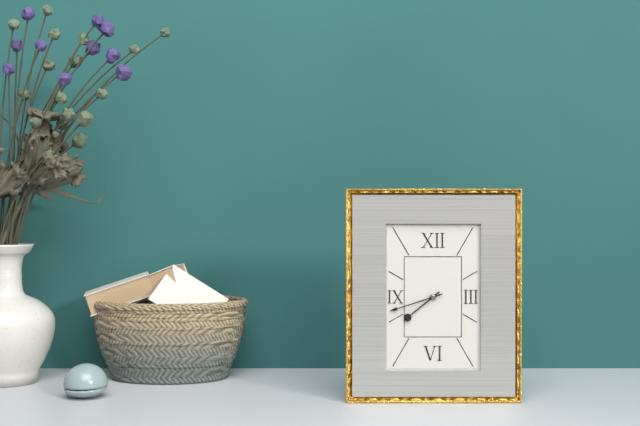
7.42
